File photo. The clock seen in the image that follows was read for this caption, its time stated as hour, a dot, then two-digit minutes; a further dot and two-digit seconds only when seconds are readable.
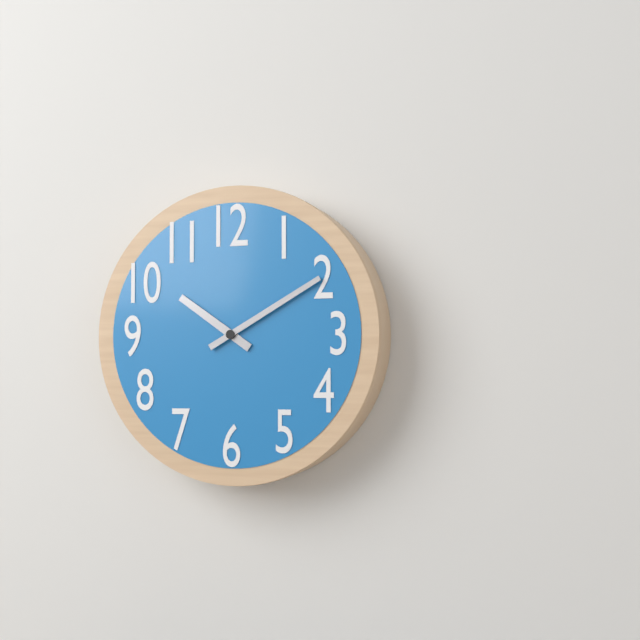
10.10
